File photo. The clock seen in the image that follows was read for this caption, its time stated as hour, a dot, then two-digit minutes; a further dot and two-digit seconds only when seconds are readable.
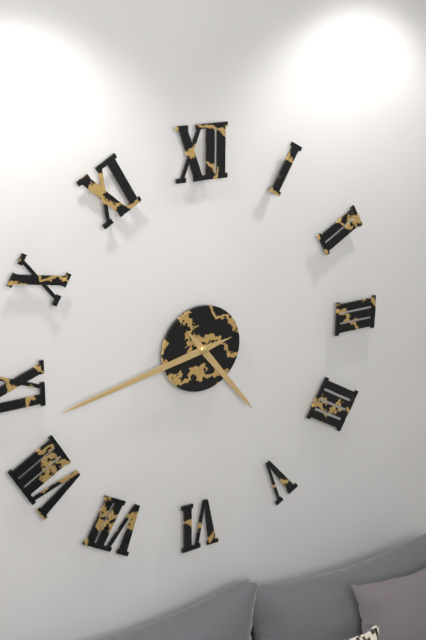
4.43
